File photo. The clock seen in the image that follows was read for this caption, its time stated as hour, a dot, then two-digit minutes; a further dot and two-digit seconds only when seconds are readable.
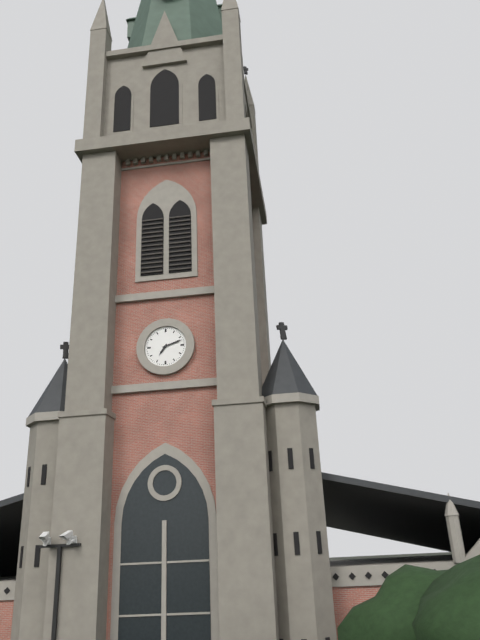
7.12
